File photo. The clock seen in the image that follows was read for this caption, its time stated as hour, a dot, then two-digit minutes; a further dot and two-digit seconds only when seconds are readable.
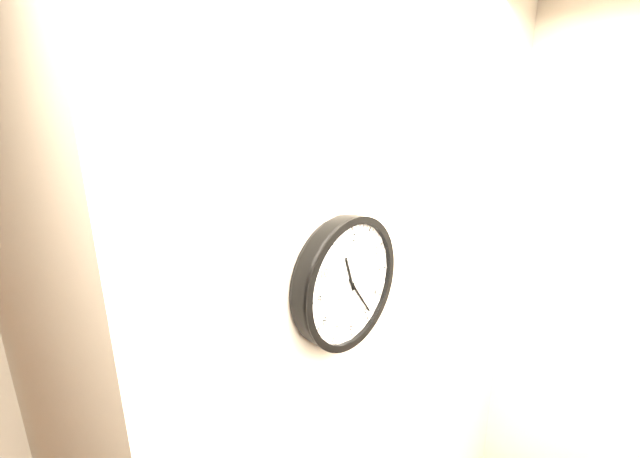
11.24
